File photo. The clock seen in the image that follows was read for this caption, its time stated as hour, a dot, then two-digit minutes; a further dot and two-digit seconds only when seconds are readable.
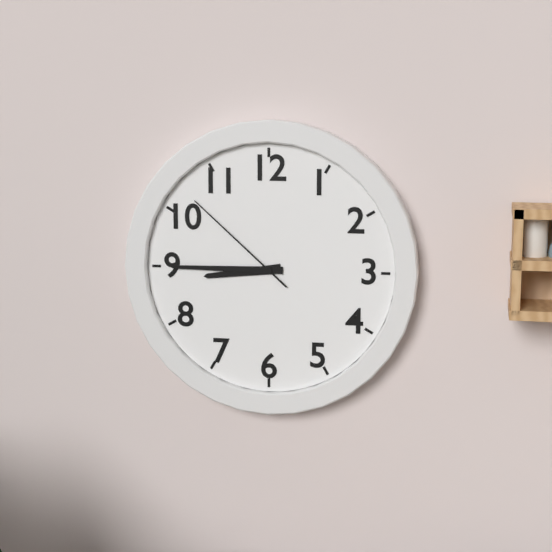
8.45.52
